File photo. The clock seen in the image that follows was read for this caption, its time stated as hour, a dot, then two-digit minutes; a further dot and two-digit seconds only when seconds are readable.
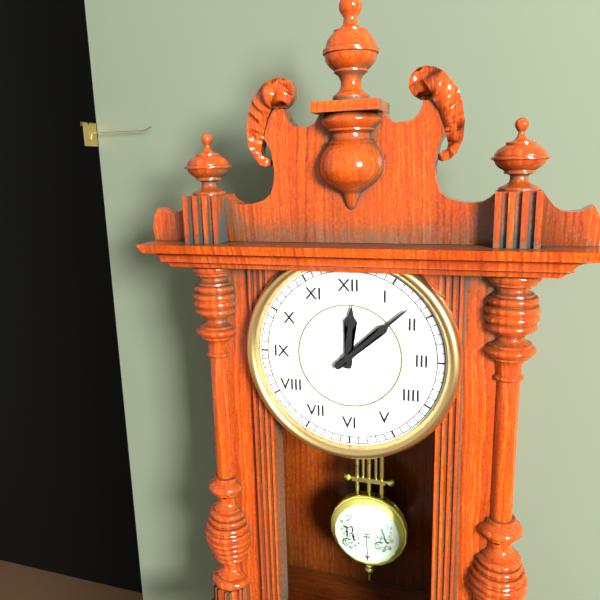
12.08
